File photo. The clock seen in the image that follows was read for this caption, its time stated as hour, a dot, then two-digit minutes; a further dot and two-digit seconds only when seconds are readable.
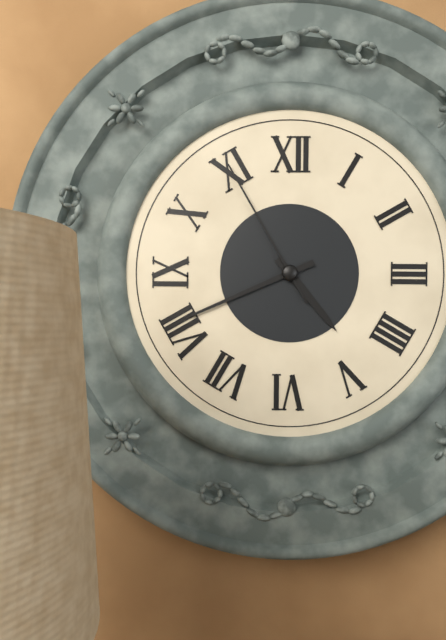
4.41.55
